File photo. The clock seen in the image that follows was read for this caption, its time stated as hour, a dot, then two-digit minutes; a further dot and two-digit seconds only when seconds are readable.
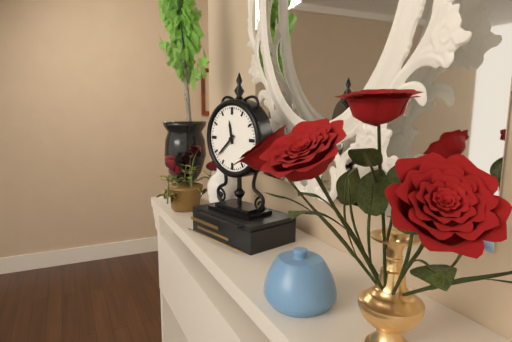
11.38
